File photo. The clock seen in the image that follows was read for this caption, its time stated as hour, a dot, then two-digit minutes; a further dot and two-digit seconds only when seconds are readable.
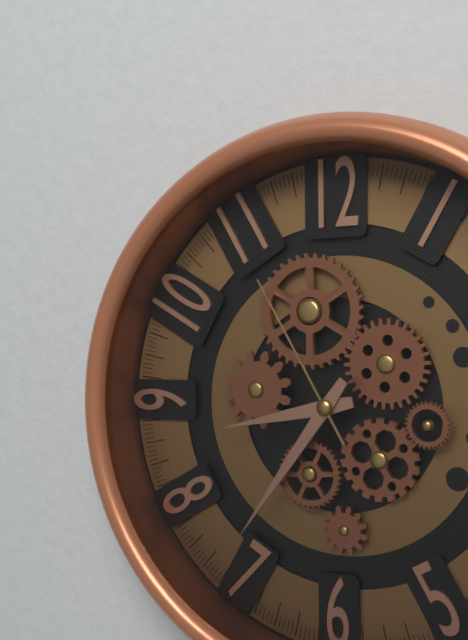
8.36.55
